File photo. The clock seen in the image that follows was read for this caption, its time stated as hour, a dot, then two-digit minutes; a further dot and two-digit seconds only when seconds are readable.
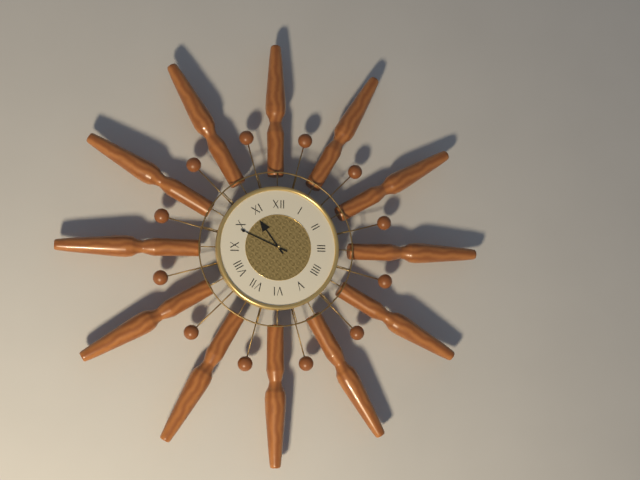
10.49
